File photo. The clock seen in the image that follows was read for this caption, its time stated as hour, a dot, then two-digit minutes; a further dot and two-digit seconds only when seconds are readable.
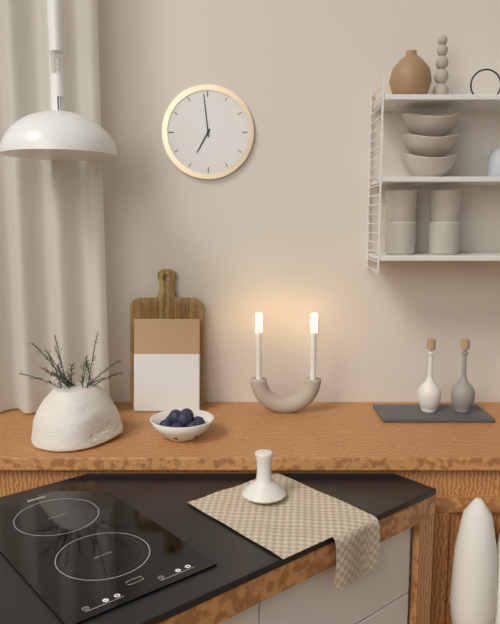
6.59
